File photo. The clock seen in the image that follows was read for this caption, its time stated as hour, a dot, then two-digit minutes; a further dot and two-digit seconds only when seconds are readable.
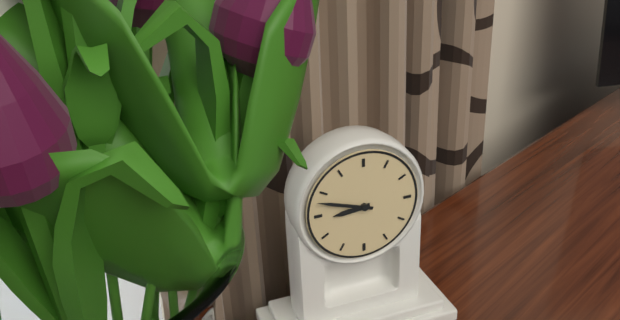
8.48
